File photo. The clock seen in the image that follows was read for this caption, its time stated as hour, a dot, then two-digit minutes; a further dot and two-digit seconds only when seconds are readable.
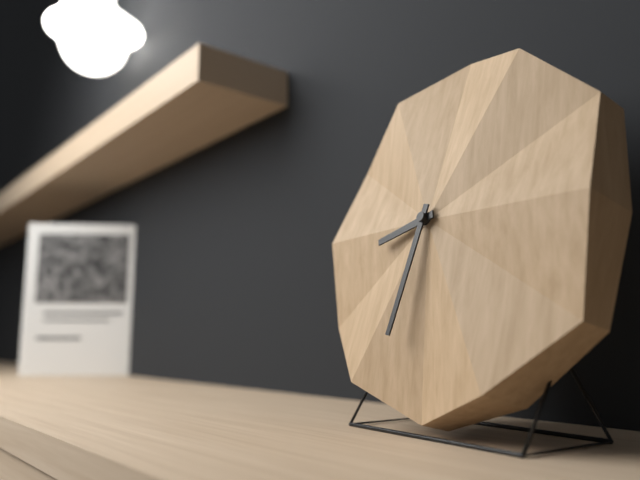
8.32
